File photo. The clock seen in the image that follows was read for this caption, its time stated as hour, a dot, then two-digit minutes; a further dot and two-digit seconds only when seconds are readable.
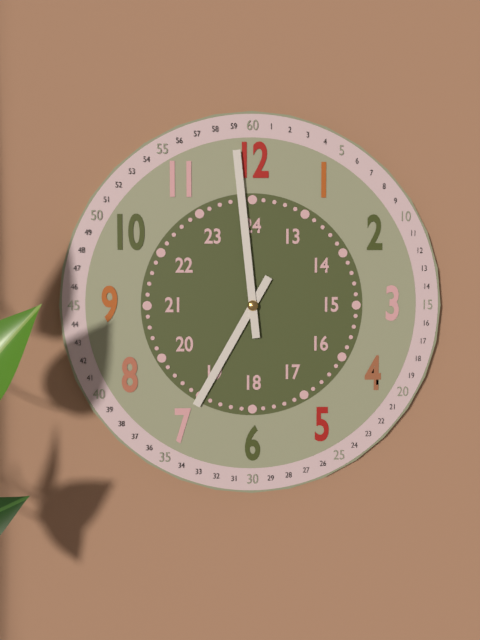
6.59
